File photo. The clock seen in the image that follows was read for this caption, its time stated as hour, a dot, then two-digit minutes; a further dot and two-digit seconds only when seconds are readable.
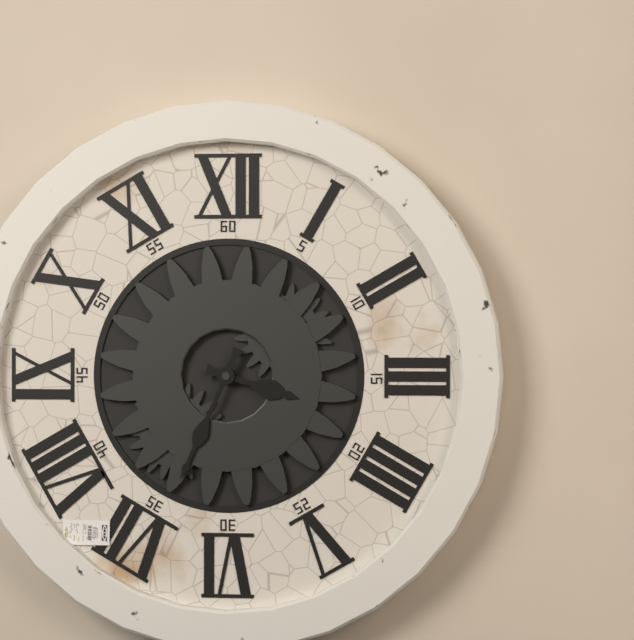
3.34
